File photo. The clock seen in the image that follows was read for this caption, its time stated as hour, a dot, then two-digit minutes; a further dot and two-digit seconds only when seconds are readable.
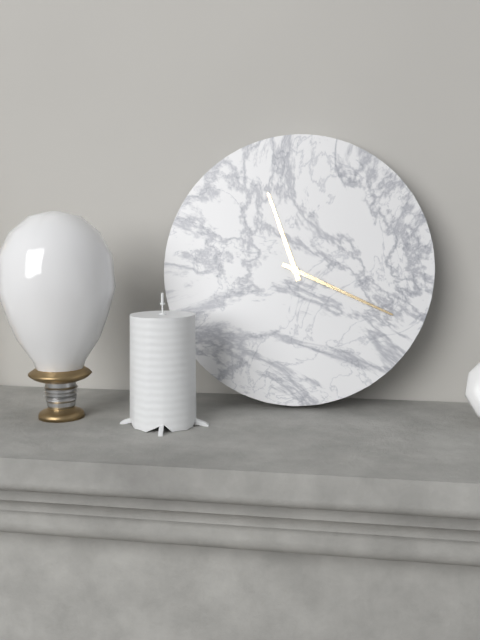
11.19
